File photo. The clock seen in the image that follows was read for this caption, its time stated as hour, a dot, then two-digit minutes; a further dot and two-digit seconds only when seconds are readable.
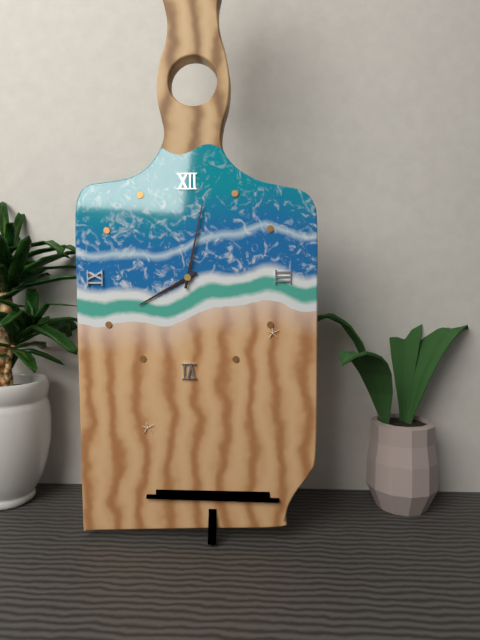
8.02
